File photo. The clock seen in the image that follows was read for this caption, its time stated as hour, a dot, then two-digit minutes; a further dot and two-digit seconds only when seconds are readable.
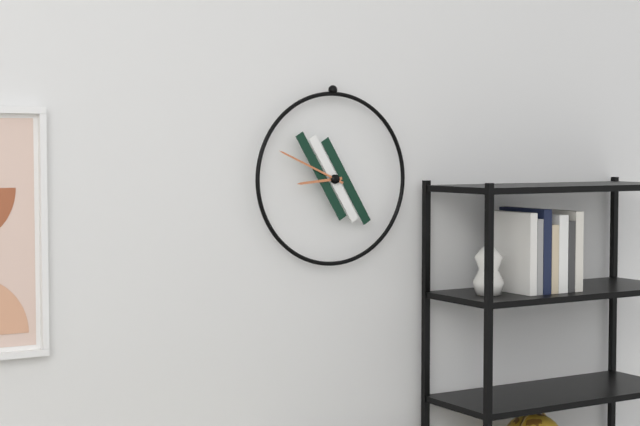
8.49
